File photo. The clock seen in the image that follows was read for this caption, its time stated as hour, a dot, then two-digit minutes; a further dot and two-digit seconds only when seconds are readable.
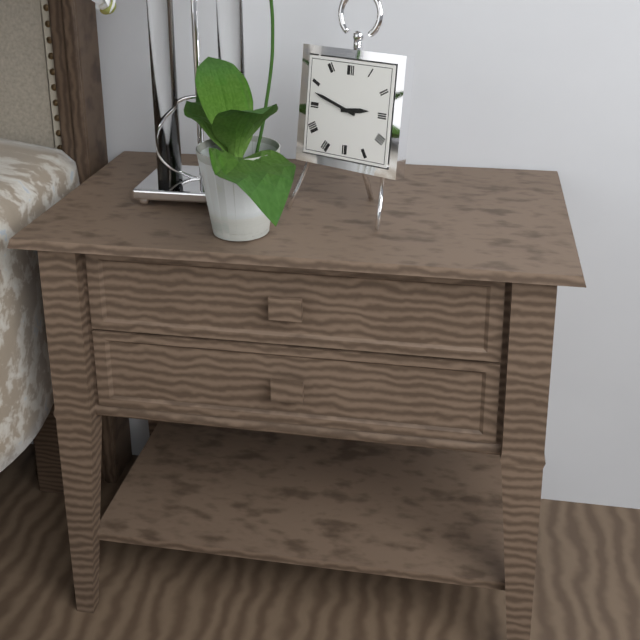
2.48
